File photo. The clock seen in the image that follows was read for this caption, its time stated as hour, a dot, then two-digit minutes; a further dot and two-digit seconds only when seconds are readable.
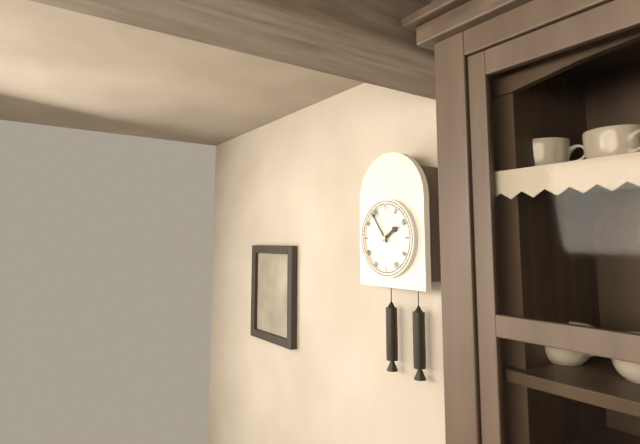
1.54
